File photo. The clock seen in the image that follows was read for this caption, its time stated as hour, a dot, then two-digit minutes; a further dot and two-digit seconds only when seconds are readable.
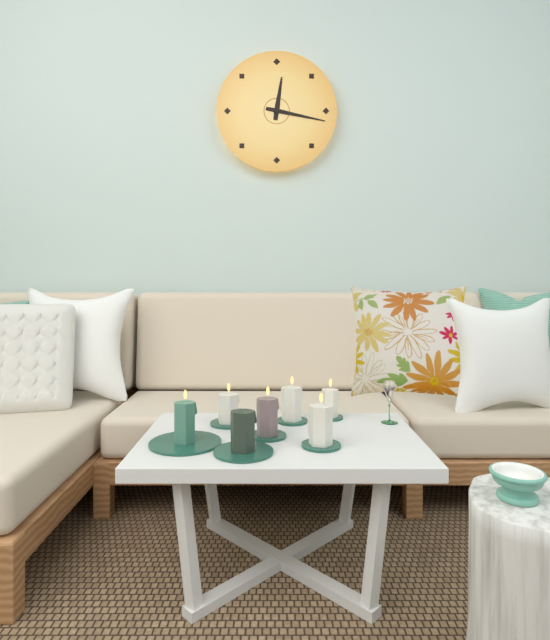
12.17
